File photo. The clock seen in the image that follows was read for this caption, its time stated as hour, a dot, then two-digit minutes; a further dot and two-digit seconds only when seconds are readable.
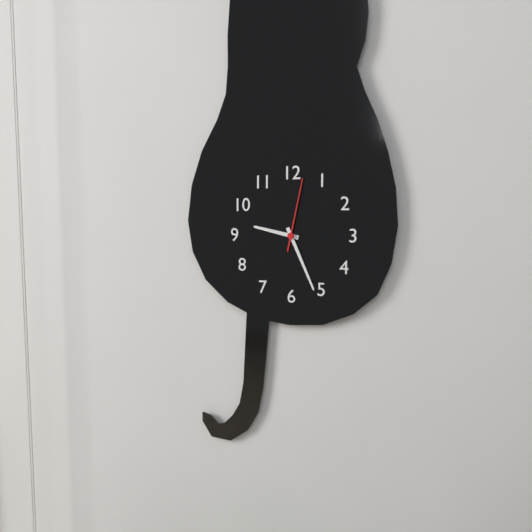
9.26.02
